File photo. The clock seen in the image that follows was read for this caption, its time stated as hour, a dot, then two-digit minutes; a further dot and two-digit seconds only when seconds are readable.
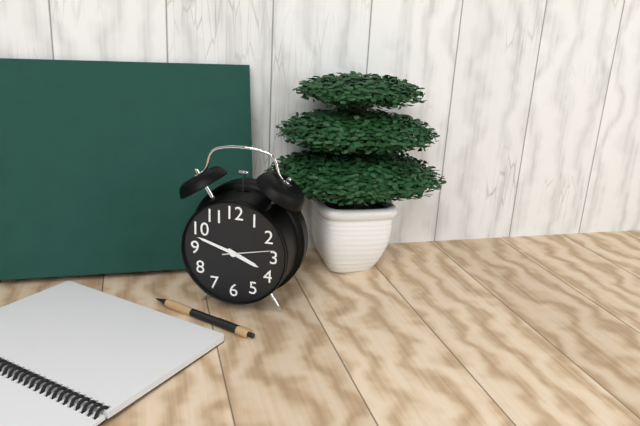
3.48.13
